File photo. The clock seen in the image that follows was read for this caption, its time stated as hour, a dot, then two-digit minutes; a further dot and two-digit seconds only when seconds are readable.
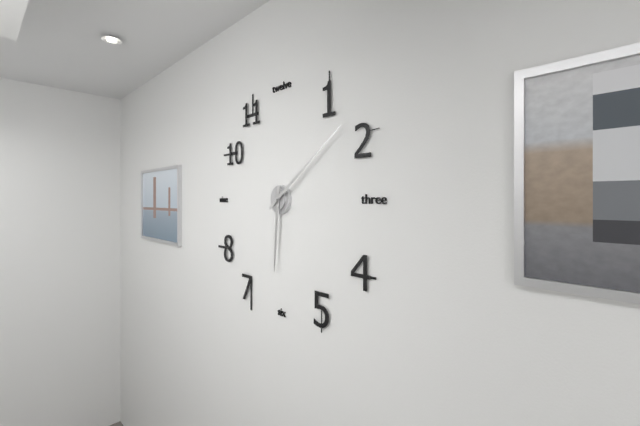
6.09
